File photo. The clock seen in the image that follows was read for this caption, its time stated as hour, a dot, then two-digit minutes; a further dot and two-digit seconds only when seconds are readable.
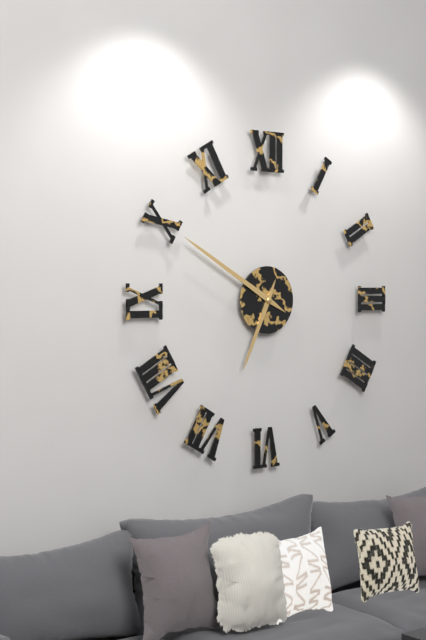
6.50
